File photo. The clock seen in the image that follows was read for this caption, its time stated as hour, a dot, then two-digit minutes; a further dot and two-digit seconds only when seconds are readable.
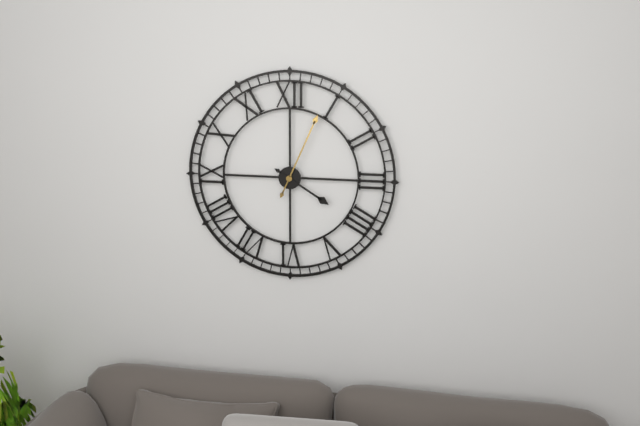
4.04
